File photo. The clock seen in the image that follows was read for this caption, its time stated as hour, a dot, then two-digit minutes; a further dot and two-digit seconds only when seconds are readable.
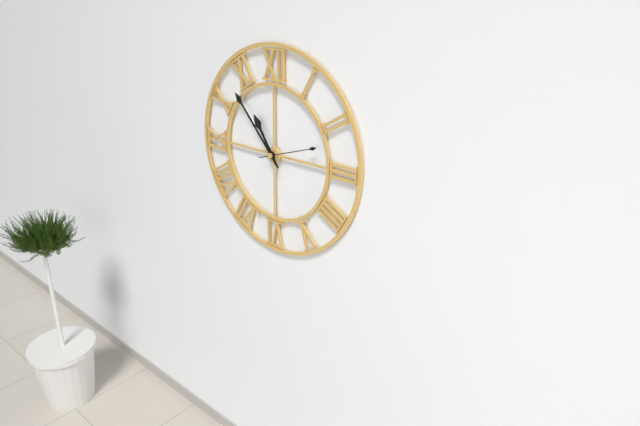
10.53.12
